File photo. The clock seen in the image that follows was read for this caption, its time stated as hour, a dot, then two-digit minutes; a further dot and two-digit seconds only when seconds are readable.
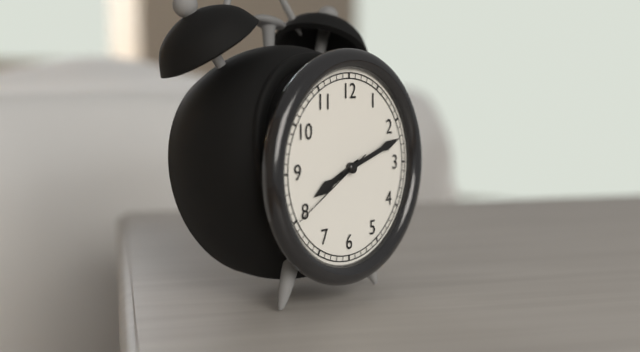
8.12.40
